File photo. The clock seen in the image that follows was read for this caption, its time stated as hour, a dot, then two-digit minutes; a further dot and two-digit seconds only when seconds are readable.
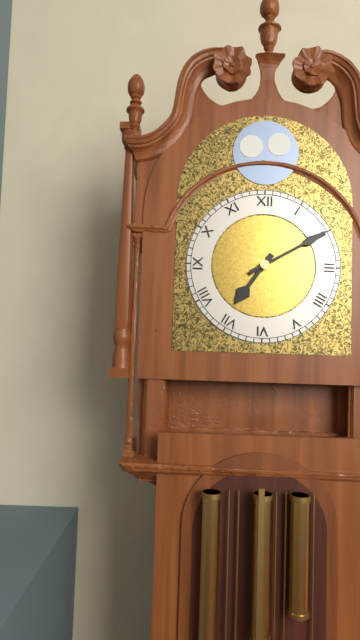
7.10
